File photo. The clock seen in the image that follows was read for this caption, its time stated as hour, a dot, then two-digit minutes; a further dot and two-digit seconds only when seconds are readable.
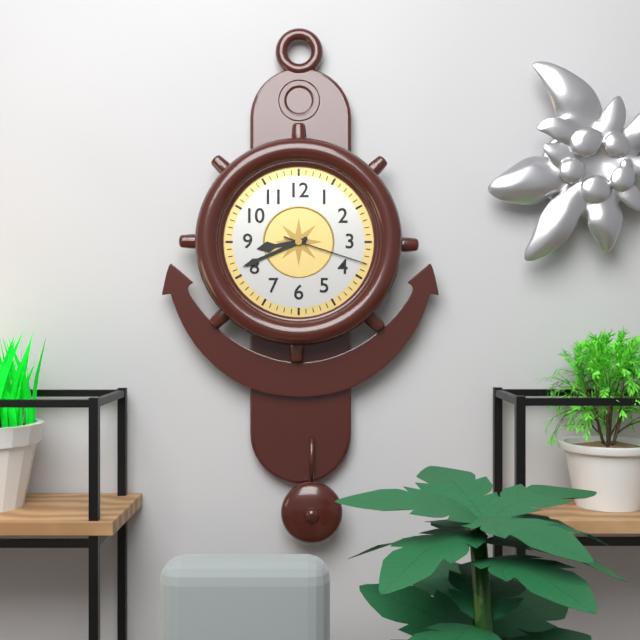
8.41.18
